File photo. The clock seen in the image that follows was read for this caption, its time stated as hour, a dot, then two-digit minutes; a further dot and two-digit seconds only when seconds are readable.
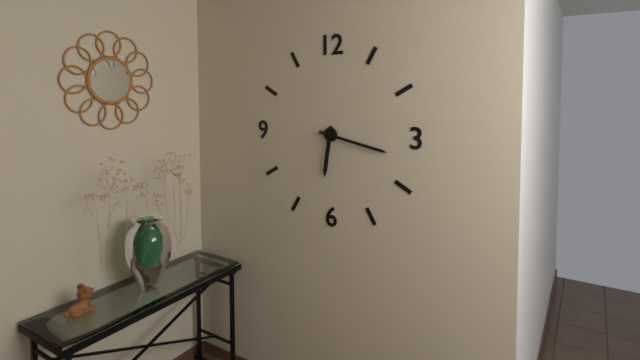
6.17
